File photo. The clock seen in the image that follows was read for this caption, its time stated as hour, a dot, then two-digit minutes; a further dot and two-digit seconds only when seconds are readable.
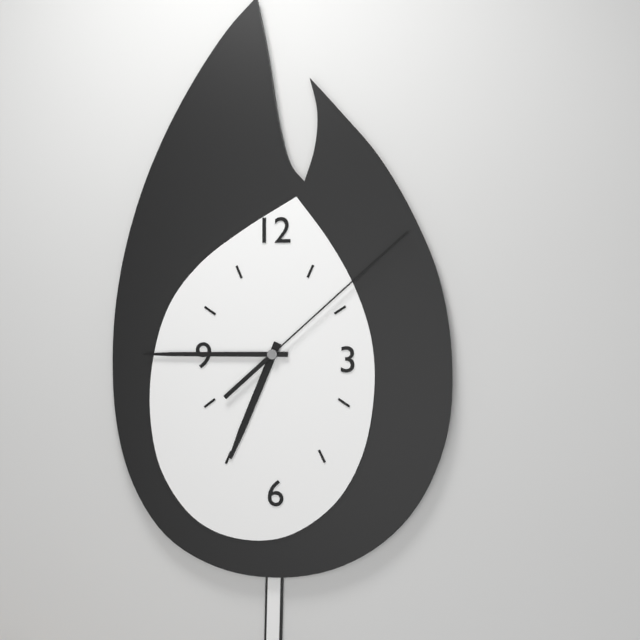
6.45.08
